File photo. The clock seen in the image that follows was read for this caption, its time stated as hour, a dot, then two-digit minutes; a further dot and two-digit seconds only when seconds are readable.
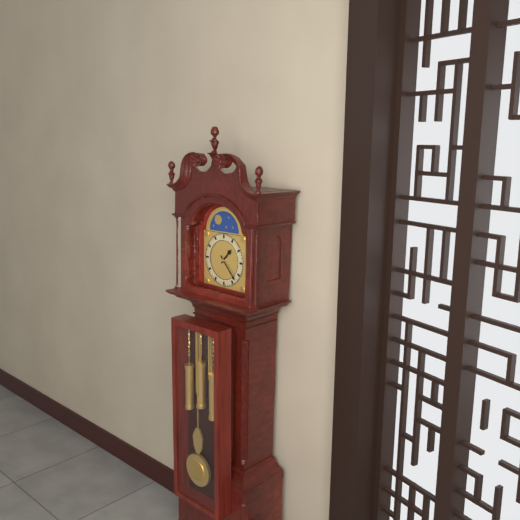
1.23
